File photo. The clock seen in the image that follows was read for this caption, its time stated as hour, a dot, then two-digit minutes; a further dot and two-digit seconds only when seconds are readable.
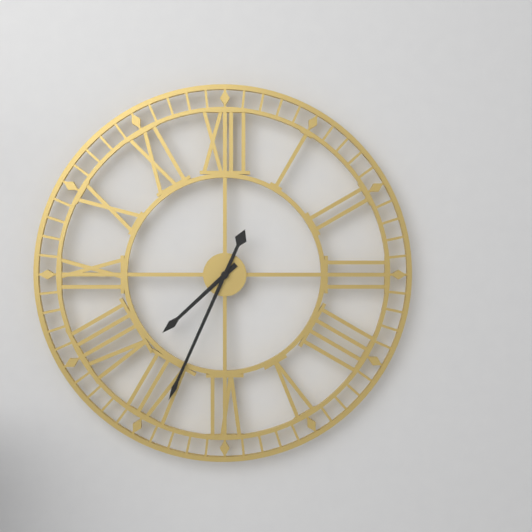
7.34
